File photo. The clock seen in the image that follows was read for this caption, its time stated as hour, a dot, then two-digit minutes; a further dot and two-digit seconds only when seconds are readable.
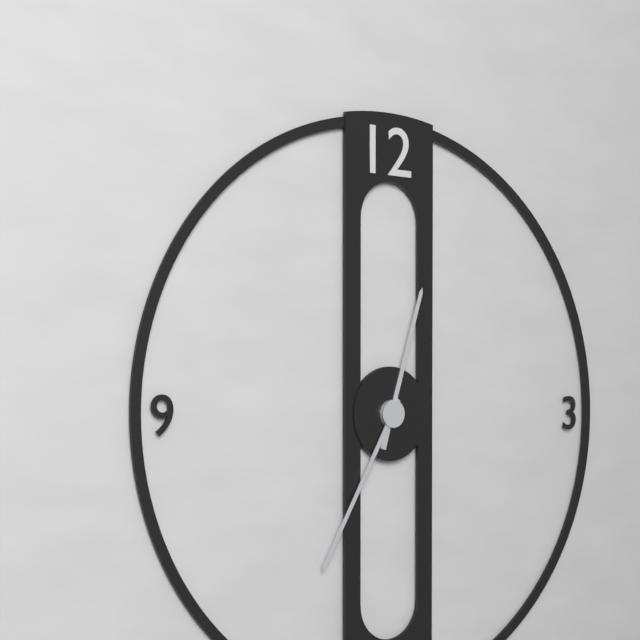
12.35
